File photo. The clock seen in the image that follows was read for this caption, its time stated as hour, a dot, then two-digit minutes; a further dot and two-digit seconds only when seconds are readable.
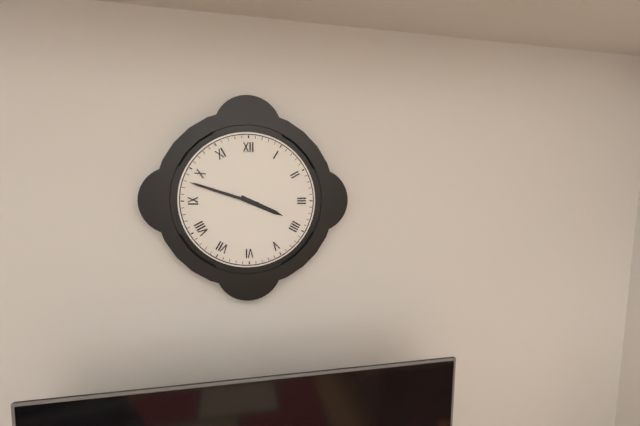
3.48
